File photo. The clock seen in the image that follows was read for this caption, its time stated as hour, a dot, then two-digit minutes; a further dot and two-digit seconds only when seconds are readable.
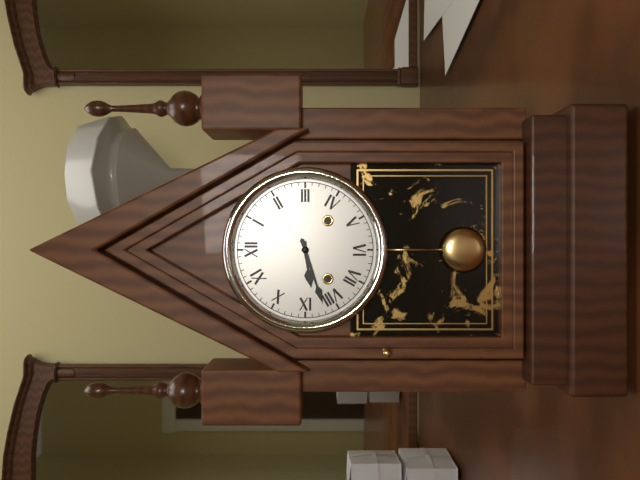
8.42
